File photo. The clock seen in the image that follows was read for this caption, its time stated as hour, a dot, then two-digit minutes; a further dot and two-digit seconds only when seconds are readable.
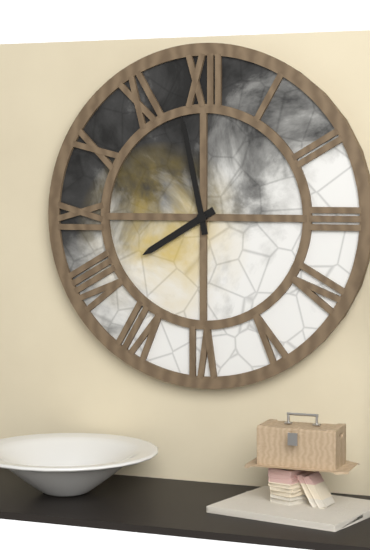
7.58
